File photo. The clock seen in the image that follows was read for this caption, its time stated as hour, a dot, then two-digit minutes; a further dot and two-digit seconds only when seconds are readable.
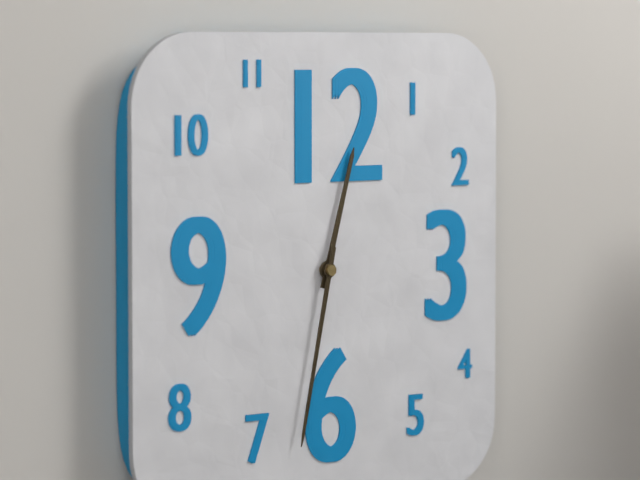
12.32
